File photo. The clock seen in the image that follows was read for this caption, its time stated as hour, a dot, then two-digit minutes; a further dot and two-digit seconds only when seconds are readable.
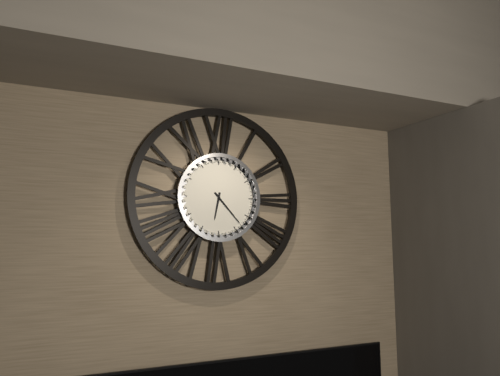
6.23
